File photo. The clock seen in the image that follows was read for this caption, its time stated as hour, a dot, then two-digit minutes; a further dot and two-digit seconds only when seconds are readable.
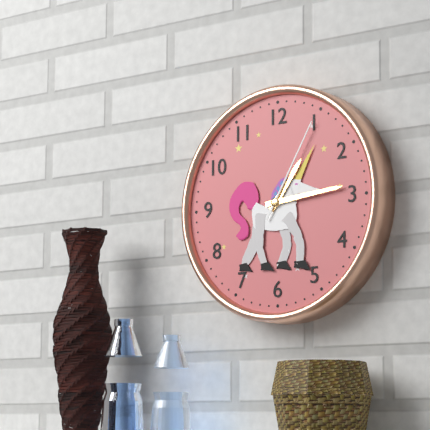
1.14.05
